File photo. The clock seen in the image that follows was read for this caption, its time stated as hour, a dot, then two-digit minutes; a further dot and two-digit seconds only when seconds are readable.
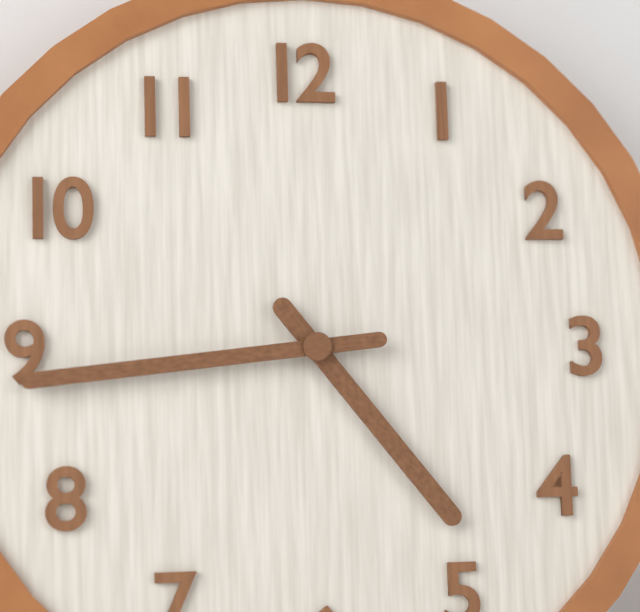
4.44
